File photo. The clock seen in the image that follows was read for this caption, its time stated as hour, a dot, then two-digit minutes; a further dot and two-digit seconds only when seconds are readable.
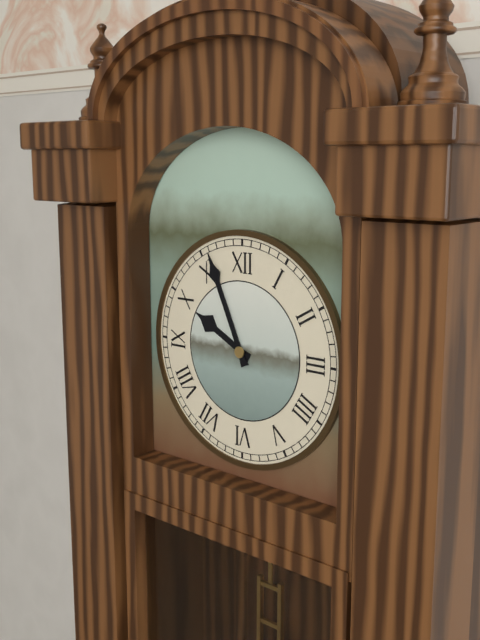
9.56
